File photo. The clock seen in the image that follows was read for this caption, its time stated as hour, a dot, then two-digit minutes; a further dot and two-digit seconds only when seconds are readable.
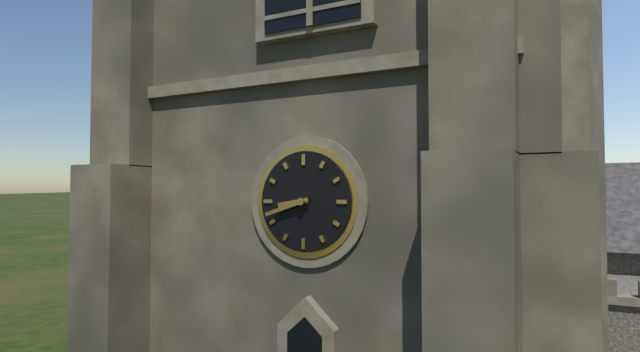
8.42
